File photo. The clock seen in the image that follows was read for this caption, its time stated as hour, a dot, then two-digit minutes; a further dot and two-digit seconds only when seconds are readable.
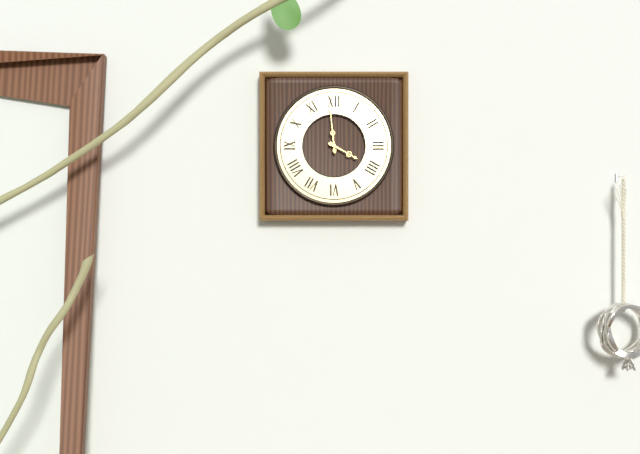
3.59
